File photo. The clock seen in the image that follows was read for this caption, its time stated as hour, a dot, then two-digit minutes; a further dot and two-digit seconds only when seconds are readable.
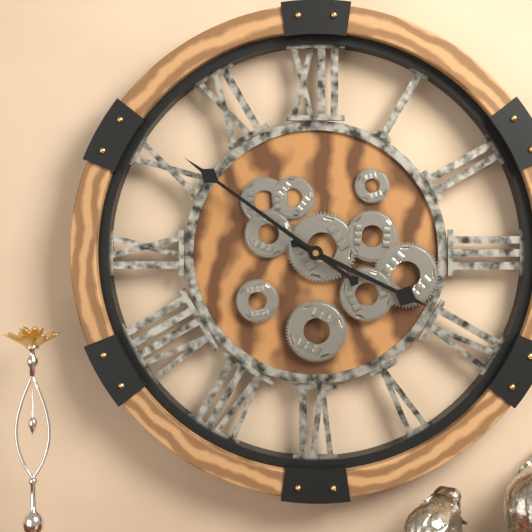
3.51
